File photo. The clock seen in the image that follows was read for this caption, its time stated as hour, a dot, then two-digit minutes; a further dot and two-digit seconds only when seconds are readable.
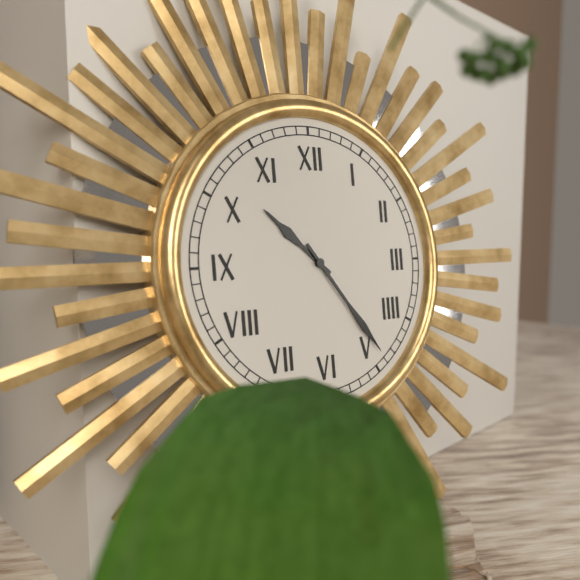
10.24
